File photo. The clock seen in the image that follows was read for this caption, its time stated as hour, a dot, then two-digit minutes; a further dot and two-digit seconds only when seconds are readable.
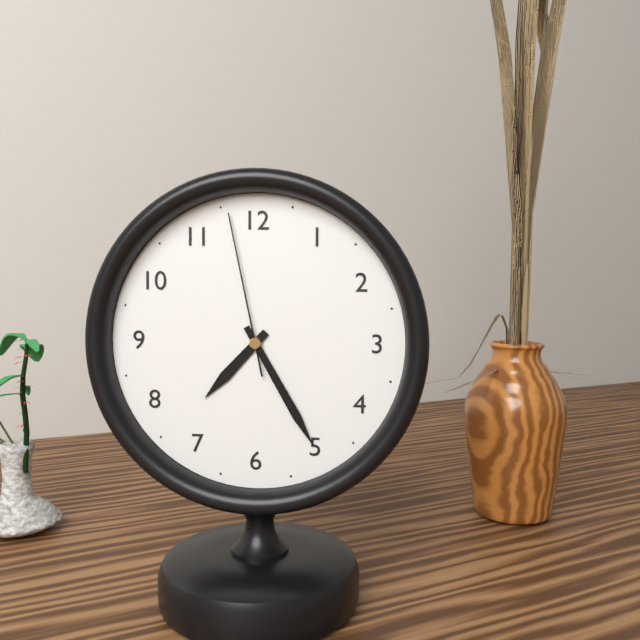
7.25.58
